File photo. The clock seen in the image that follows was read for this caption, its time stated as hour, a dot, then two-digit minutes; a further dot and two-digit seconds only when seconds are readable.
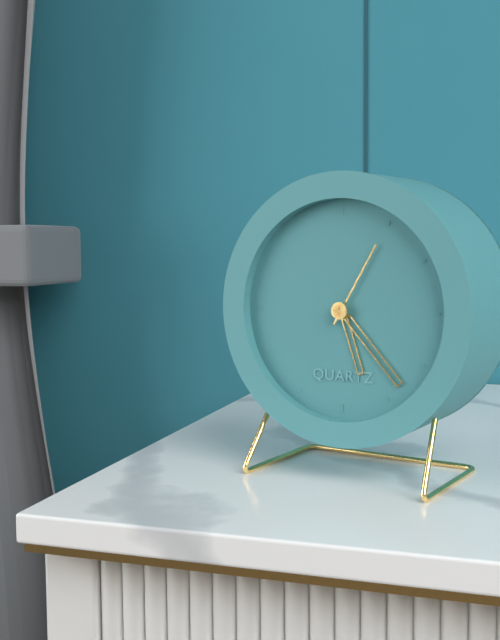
5.23.05
